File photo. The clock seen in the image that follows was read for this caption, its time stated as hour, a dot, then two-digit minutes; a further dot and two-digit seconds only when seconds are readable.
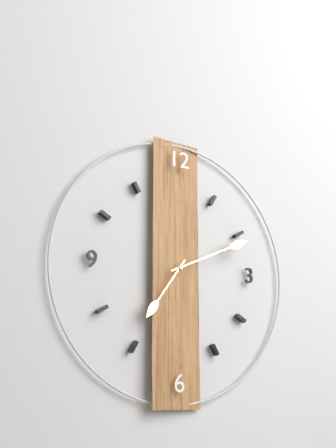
7.11
